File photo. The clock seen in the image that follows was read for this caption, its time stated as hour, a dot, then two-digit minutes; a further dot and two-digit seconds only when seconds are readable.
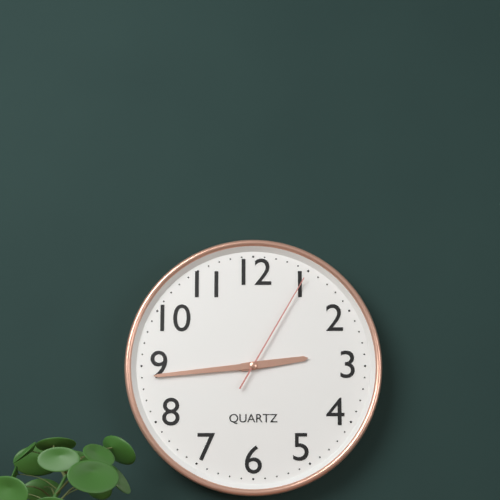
2.44.05
